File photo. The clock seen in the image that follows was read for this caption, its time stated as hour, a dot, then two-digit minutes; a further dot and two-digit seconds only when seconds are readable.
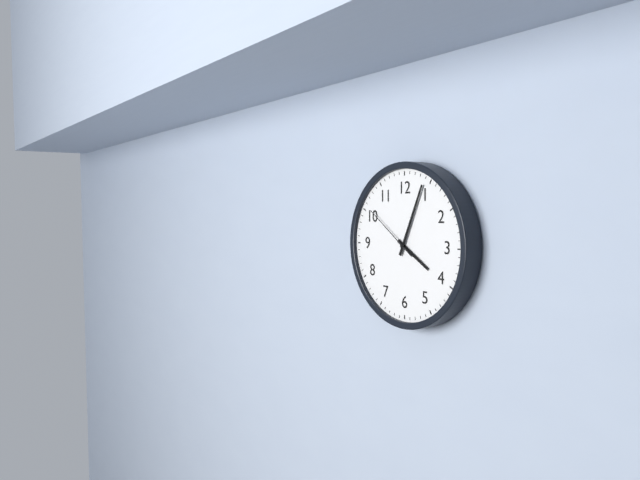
4.04.51
